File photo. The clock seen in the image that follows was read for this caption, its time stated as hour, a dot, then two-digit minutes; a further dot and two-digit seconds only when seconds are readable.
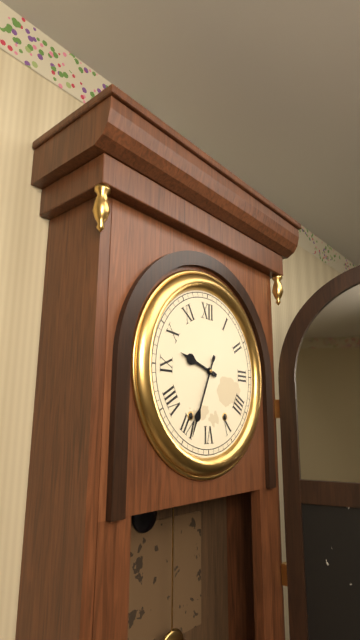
9.34
